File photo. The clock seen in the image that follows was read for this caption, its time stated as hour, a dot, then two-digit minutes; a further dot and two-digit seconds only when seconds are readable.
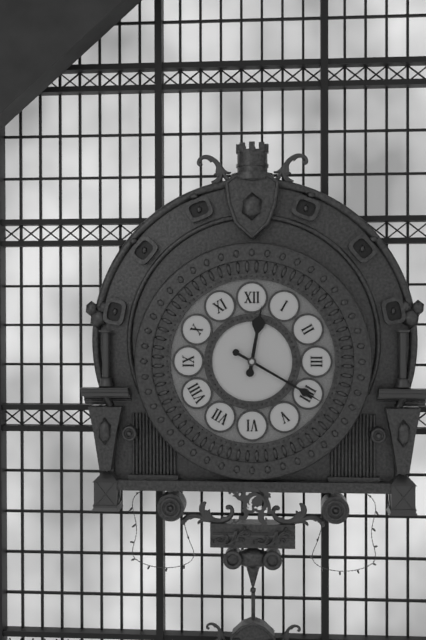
12.20
